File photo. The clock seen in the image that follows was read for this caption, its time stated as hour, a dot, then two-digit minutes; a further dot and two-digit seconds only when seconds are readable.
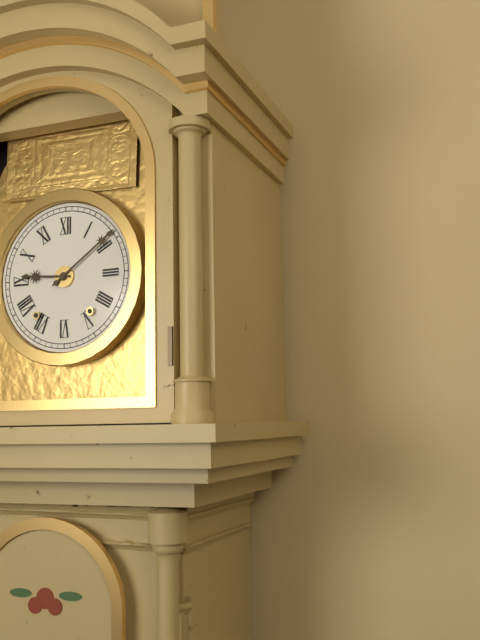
9.09
